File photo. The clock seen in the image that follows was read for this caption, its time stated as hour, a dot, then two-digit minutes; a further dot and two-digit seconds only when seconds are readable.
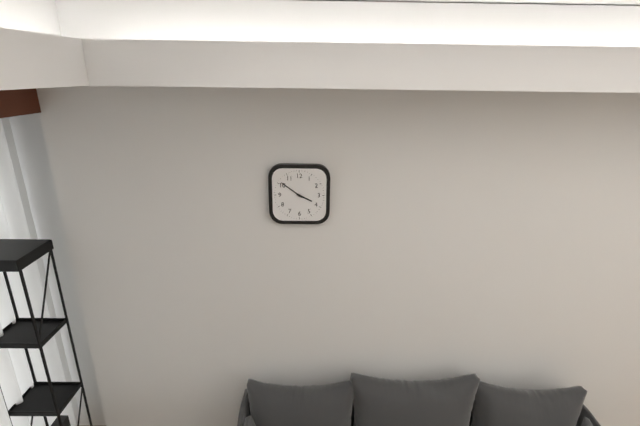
3.51
